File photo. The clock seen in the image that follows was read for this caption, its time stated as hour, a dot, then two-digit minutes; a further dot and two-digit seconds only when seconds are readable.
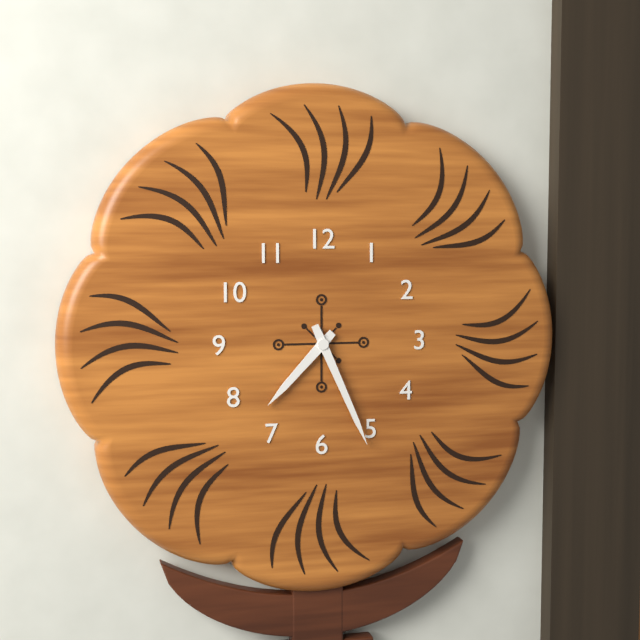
7.26
